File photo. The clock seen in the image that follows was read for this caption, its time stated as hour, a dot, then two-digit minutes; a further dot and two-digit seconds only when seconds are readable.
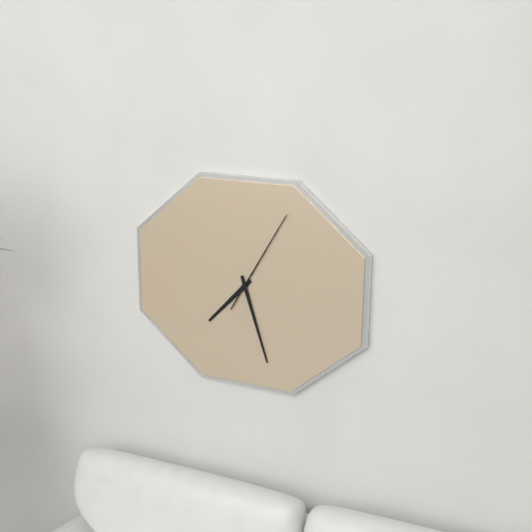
7.27.05
